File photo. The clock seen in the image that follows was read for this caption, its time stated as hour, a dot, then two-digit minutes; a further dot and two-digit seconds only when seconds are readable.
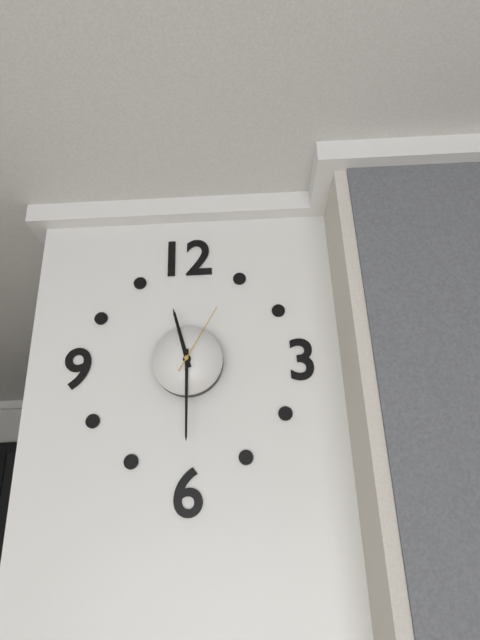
11.30.05
